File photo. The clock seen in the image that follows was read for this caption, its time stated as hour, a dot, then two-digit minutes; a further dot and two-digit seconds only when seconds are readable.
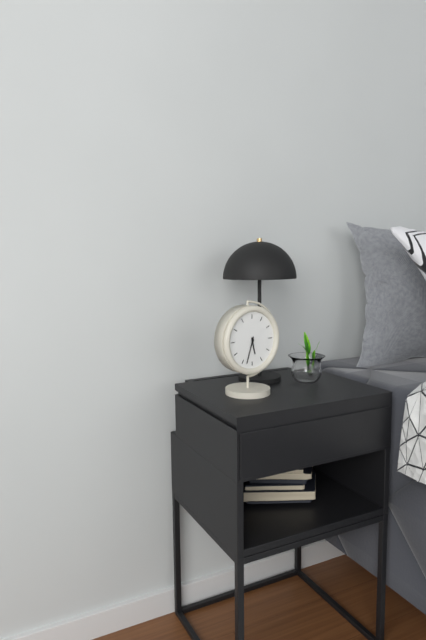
5.33
